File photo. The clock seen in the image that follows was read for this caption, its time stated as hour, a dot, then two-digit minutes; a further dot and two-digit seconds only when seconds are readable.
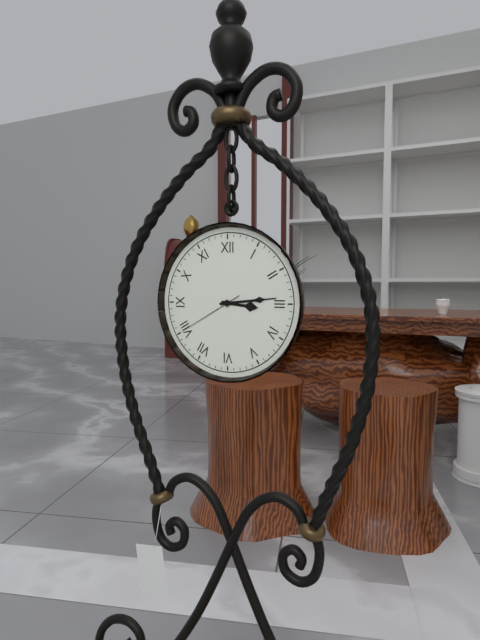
3.14.40
